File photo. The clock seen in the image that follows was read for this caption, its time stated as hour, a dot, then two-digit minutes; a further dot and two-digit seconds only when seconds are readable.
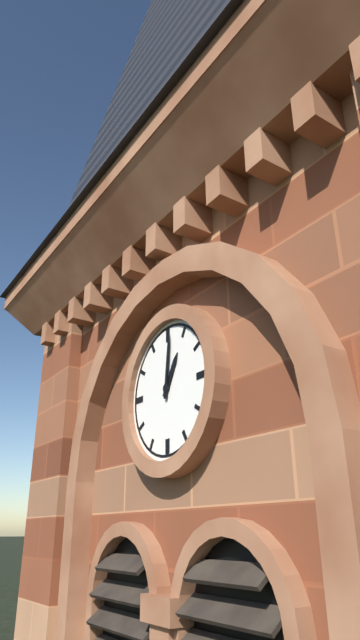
1.01
